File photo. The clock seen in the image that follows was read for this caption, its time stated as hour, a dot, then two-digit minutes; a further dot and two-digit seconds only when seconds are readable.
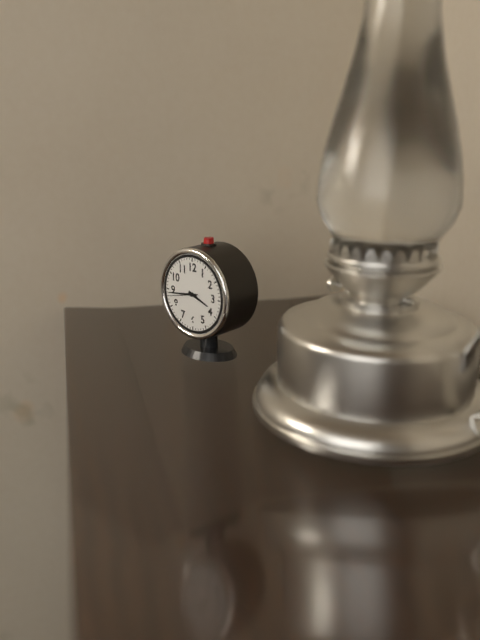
3.44.43
